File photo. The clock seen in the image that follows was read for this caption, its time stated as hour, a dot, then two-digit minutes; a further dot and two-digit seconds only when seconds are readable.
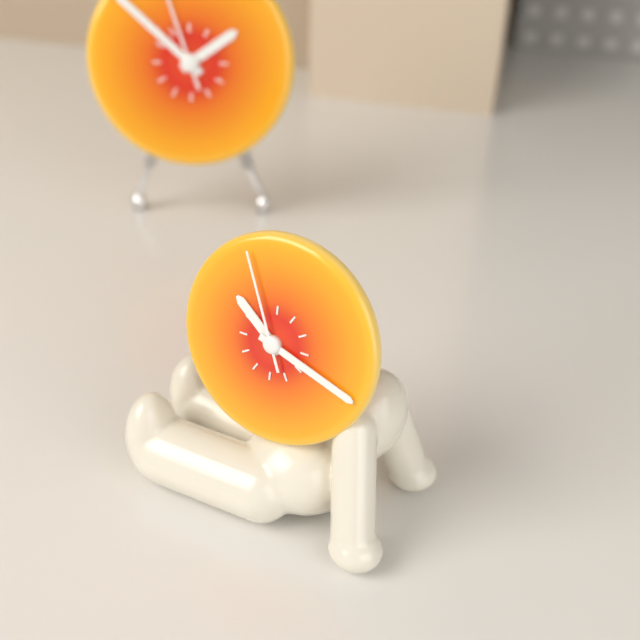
10.18.56
